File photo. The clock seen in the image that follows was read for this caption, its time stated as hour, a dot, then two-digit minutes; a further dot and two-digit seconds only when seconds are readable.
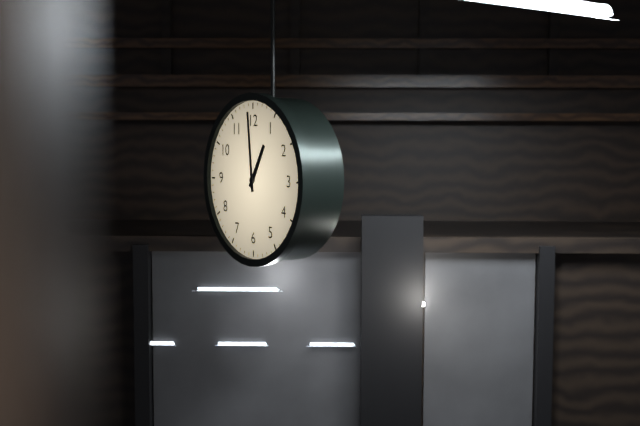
12.59
